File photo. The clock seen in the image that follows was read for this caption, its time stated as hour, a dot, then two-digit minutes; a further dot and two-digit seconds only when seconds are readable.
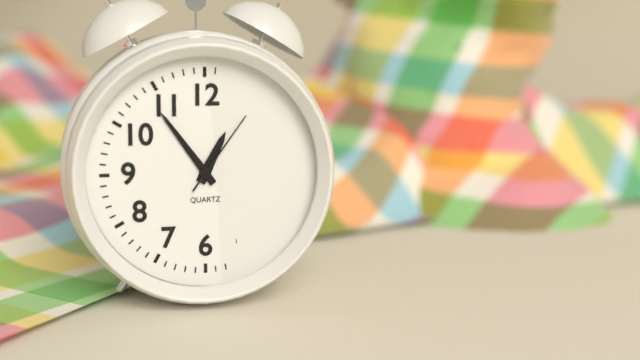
12.54.06
